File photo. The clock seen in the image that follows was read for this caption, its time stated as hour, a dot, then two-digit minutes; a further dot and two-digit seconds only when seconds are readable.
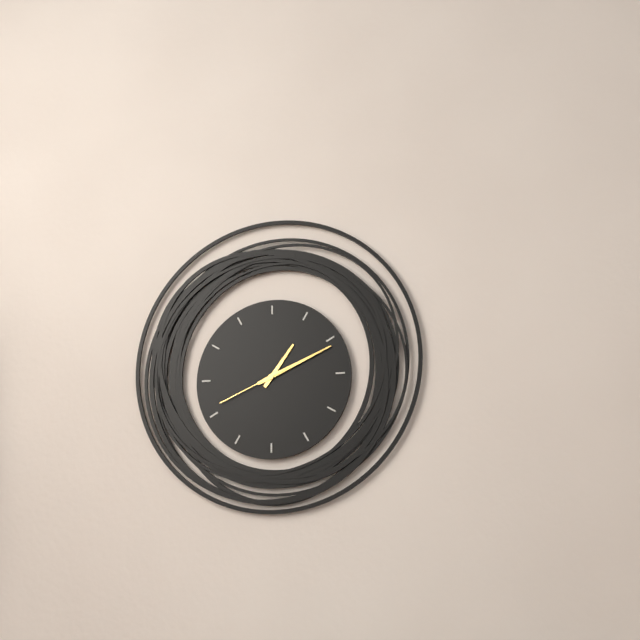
1.11.41
